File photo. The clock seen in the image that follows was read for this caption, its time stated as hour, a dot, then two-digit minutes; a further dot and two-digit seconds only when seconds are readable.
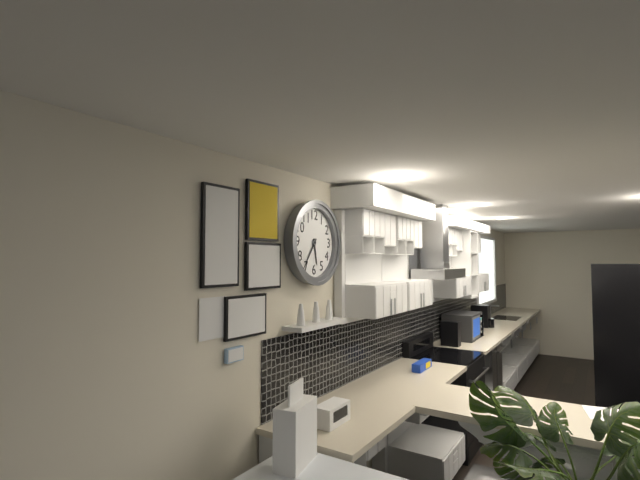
5.36
